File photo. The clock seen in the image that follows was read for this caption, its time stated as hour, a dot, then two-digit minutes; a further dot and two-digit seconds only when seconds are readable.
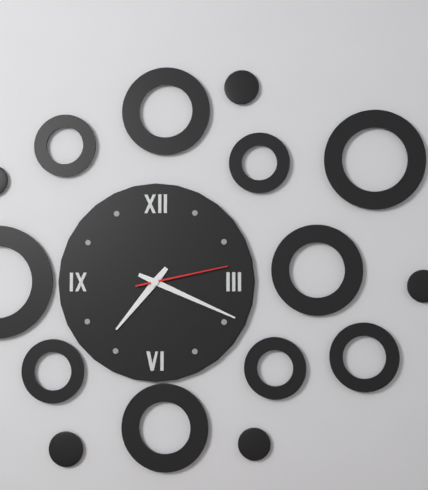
7.19.13
